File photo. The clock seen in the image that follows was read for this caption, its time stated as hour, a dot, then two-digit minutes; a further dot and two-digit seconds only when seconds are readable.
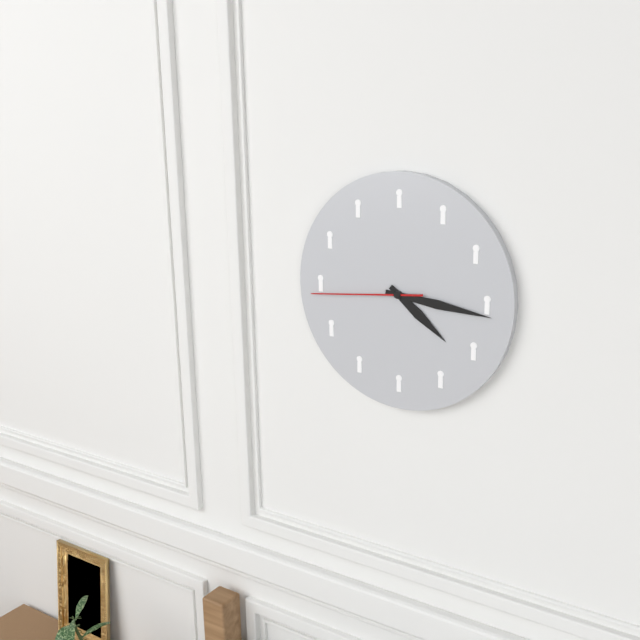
4.16.44
